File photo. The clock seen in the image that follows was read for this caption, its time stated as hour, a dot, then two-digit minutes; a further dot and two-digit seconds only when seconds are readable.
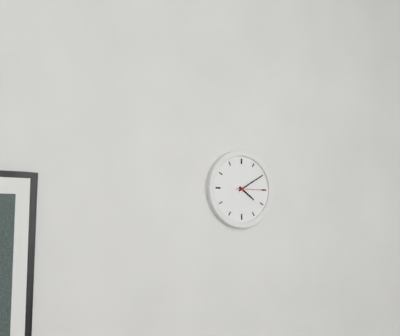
4.10
